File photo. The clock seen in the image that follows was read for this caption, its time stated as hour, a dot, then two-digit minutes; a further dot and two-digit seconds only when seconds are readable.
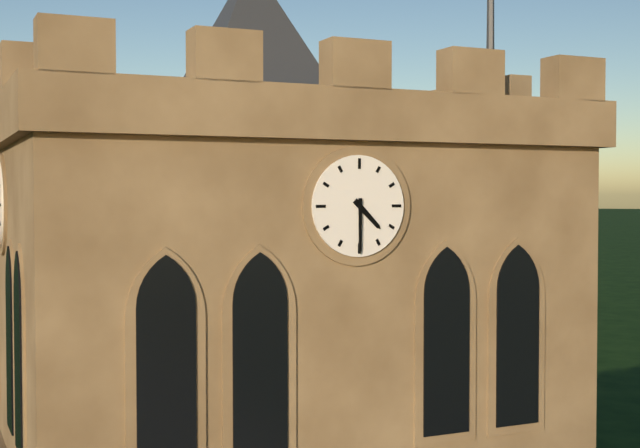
4.30
